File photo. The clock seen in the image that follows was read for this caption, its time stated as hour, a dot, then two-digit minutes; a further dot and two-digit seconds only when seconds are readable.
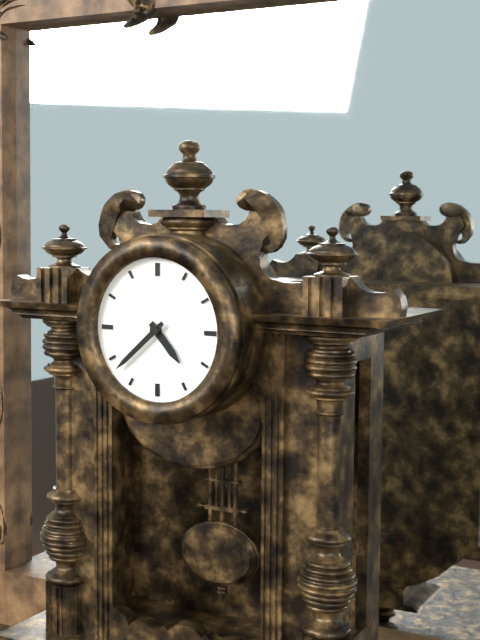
4.38
